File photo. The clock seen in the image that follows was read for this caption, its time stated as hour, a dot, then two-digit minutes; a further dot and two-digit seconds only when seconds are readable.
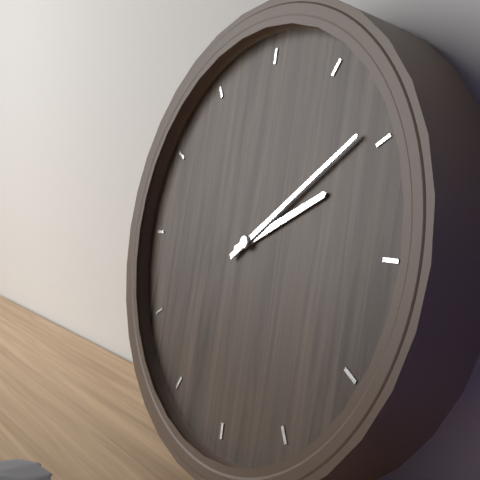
2.09
